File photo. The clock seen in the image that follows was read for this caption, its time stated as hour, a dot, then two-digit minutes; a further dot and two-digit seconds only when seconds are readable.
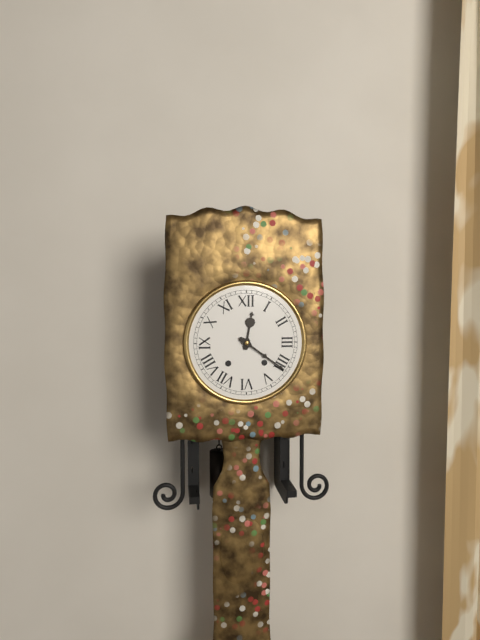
12.21
